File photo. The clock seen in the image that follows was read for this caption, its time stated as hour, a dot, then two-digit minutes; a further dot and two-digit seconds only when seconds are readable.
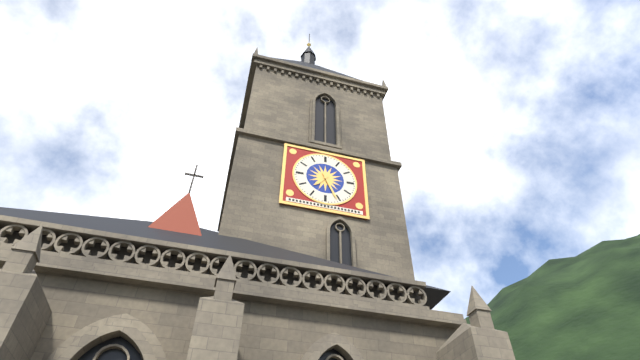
7.26
